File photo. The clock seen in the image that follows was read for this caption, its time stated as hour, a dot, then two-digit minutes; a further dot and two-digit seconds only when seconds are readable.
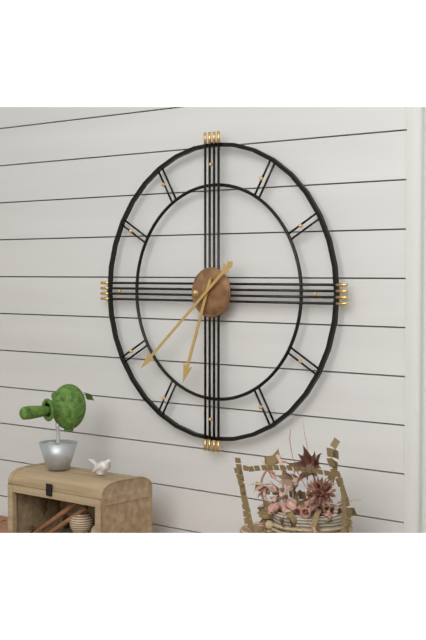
6.38
